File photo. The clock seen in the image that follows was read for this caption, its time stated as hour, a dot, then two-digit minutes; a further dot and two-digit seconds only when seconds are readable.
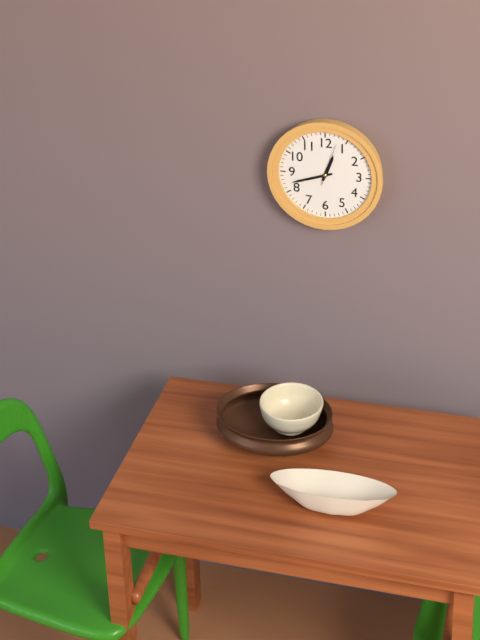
12.42
